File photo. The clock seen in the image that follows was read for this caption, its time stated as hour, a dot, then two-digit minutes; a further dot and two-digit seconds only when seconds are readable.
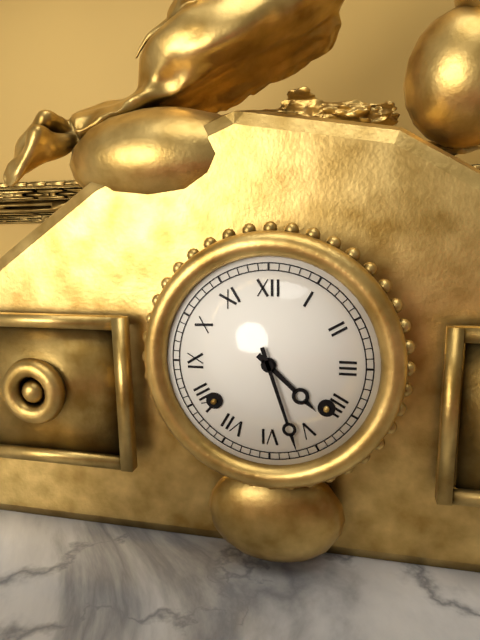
4.27
